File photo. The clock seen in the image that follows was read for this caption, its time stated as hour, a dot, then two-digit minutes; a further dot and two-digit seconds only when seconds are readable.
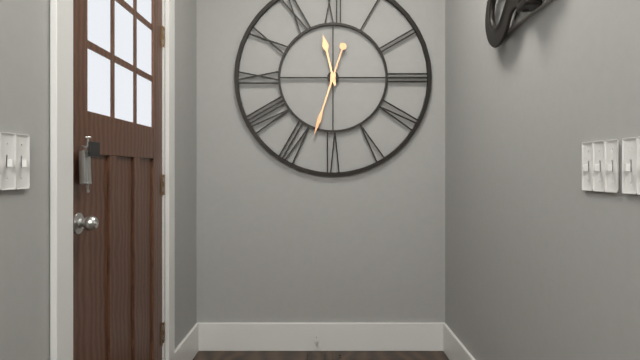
11.33
